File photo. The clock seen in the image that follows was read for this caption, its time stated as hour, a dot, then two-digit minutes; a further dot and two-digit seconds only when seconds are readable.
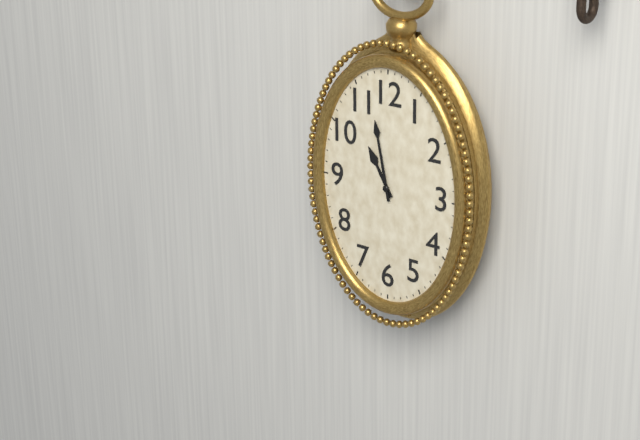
10.58
